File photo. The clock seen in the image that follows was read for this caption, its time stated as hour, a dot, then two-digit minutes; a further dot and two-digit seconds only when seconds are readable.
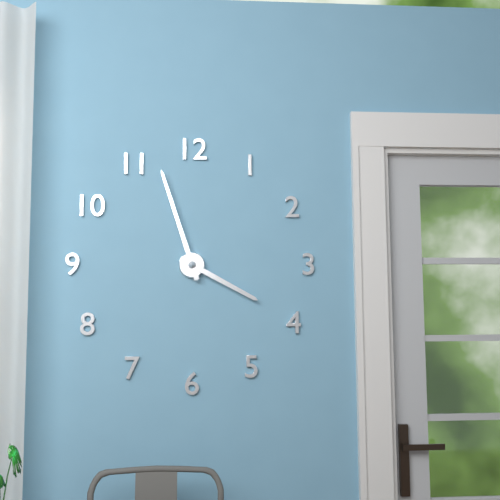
3.57
